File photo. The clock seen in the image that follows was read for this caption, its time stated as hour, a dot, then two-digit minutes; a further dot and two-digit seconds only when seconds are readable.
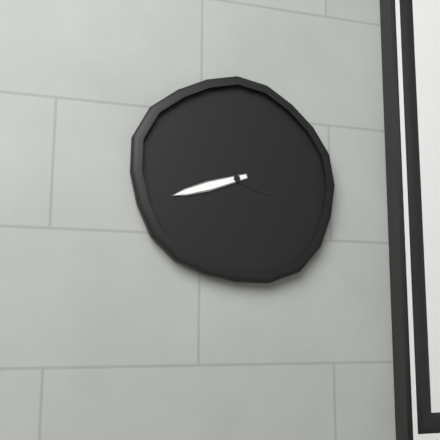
3.42
